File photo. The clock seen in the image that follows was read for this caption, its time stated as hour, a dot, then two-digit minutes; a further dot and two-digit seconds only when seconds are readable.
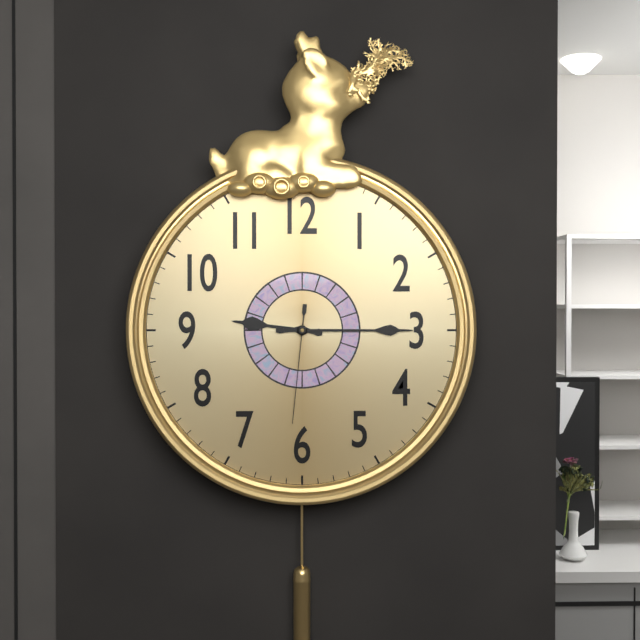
9.15.31
